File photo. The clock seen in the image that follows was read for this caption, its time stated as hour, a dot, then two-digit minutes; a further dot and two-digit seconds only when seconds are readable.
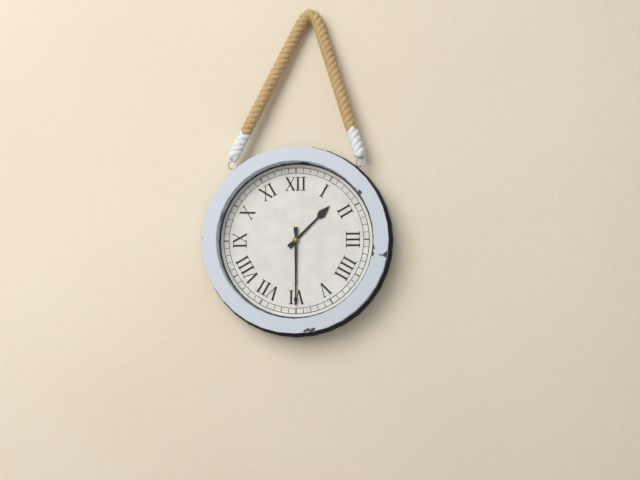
1.30
